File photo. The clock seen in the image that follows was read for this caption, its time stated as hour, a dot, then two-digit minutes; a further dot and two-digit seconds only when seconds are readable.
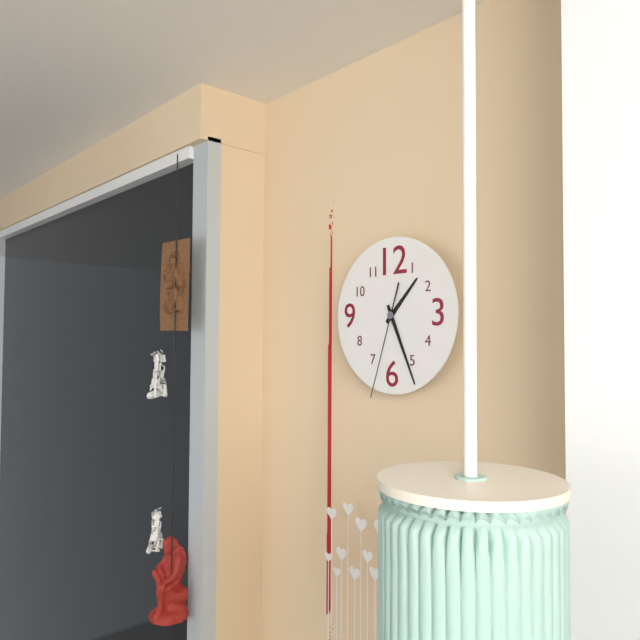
1.26.33
